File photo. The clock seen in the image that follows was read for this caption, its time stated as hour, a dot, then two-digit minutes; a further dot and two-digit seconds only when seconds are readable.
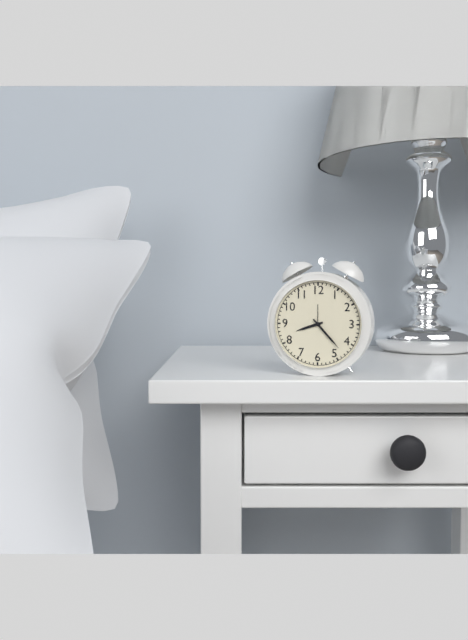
8.23
